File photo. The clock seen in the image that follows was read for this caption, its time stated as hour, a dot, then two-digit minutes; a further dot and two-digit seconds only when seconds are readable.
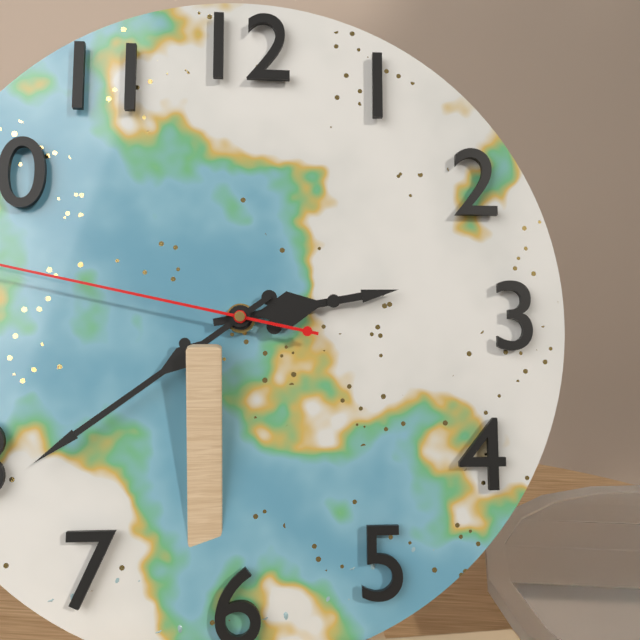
2.39
